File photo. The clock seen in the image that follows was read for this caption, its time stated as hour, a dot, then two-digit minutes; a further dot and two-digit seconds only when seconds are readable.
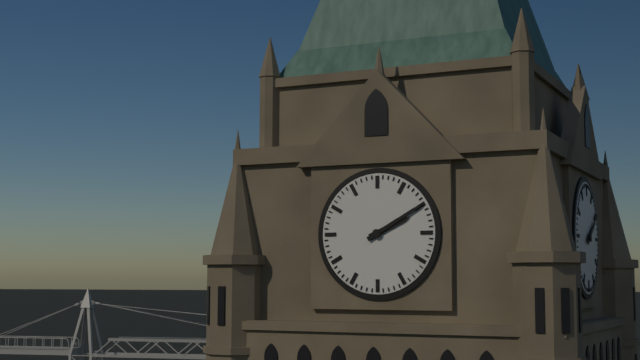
2.10
